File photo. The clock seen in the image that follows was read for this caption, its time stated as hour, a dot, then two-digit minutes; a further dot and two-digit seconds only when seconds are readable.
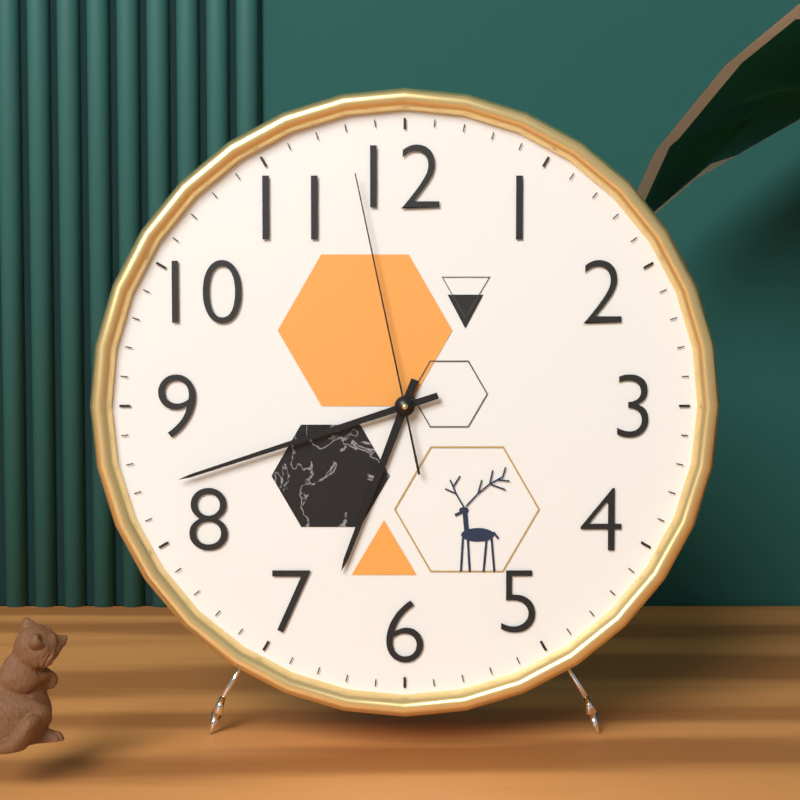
6.42.58
